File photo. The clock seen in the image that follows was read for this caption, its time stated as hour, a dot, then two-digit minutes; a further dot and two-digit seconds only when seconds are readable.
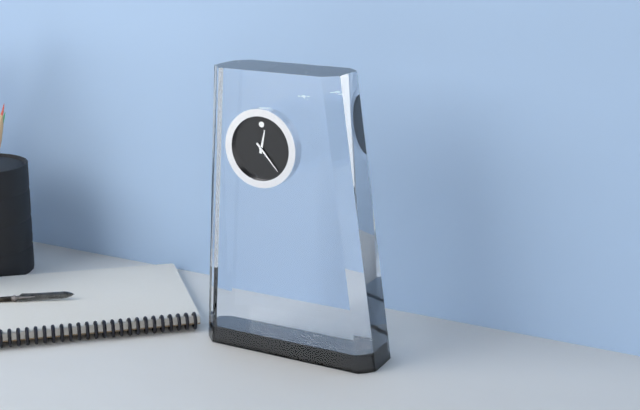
12.23
